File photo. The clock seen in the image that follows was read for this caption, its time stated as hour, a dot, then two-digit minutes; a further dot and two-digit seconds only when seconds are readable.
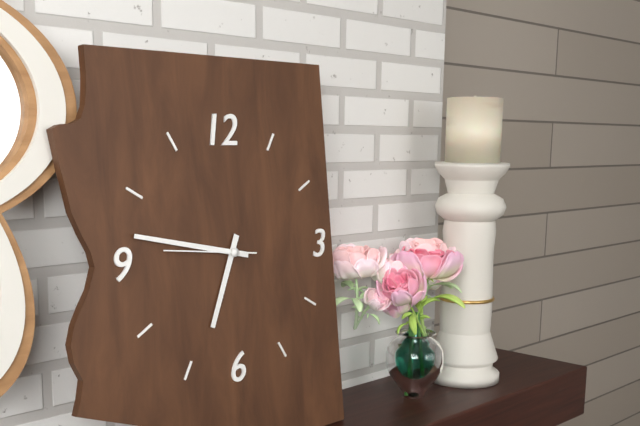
6.47.46
